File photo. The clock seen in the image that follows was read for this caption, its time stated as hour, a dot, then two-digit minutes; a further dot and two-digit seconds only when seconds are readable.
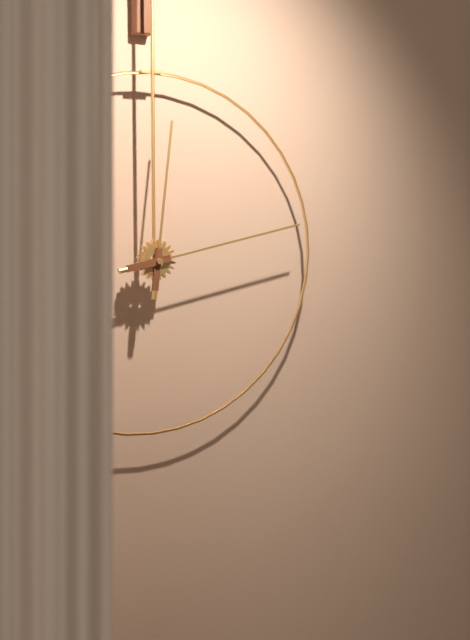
12.13
